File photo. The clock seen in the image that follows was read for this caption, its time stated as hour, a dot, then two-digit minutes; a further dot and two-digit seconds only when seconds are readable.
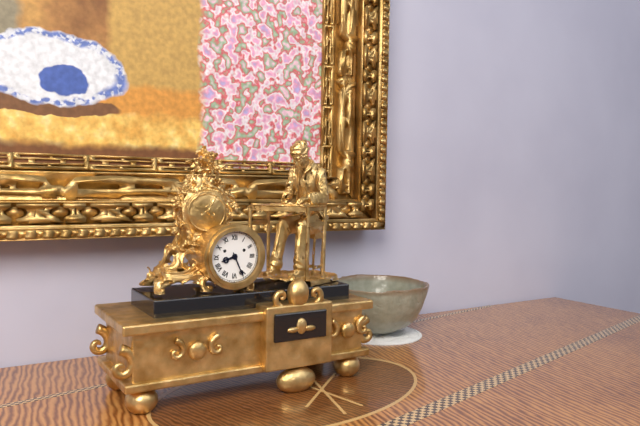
8.26
